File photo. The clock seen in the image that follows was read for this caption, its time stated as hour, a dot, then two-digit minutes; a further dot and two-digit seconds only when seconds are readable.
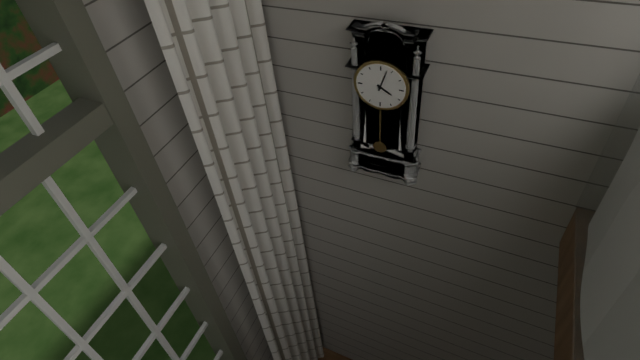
4.03
